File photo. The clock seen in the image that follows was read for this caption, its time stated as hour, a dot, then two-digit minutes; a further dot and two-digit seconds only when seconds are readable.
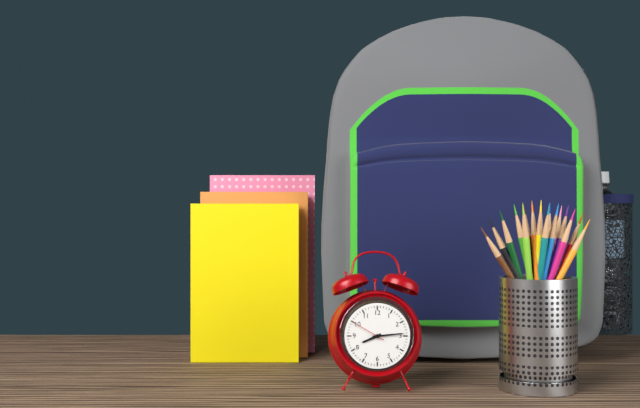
8.14
